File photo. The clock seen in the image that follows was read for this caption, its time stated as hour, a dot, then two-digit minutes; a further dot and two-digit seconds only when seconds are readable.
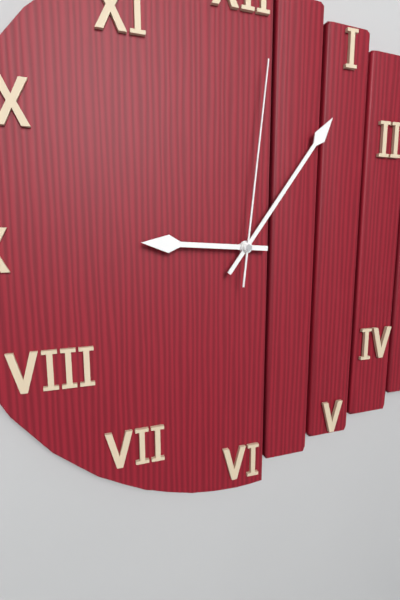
9.06.01
